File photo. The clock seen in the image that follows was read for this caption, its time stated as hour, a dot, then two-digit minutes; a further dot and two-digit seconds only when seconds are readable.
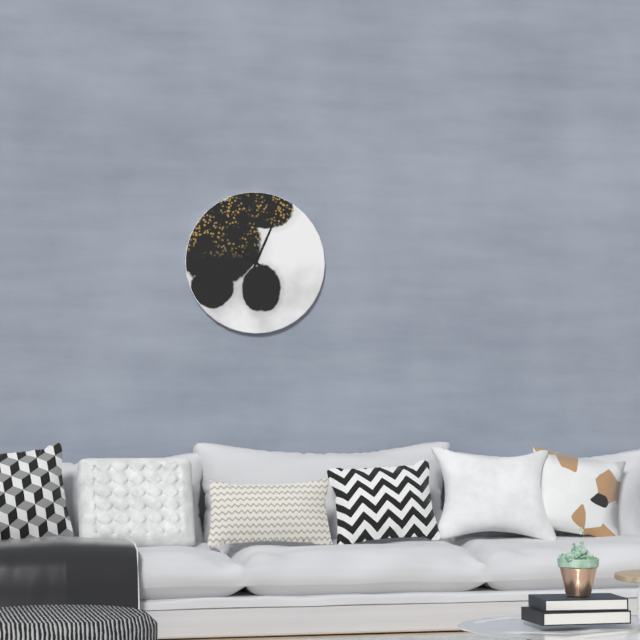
10.04
